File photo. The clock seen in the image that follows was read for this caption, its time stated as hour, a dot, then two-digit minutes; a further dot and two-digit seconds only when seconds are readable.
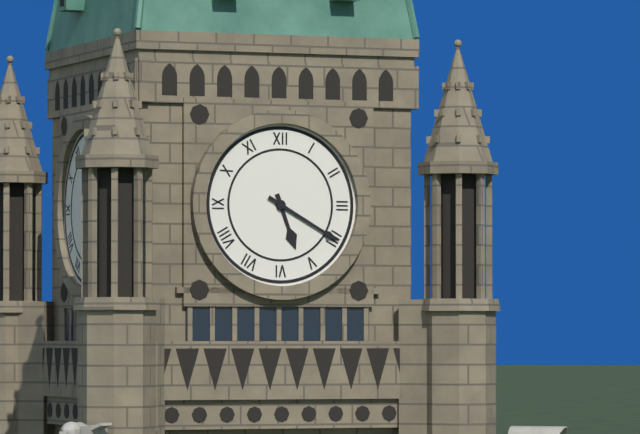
5.20
